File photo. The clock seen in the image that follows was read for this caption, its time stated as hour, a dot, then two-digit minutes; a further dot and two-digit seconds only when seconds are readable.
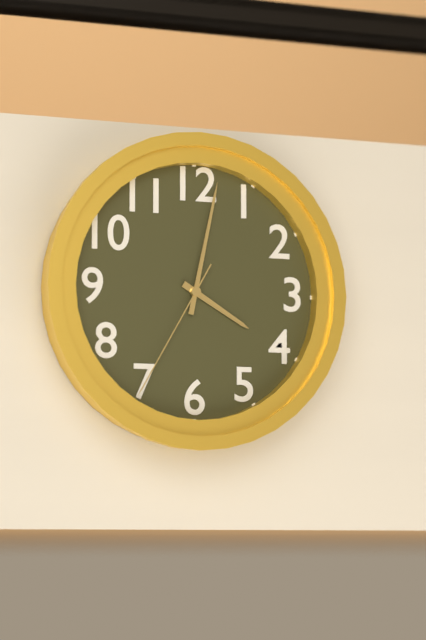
4.02.35
